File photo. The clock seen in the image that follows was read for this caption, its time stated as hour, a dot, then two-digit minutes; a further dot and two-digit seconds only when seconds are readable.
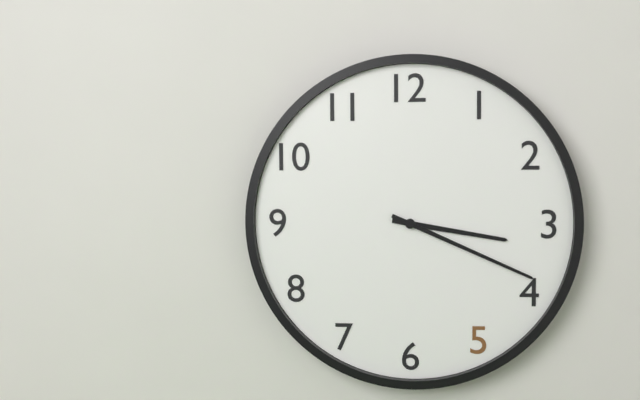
3.19
